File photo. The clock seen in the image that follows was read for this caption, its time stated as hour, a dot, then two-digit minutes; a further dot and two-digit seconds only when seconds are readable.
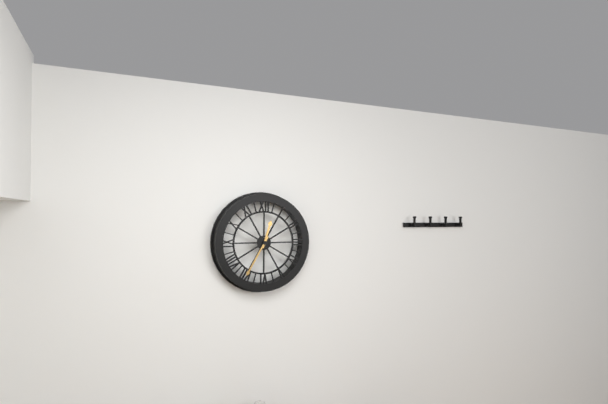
12.35
